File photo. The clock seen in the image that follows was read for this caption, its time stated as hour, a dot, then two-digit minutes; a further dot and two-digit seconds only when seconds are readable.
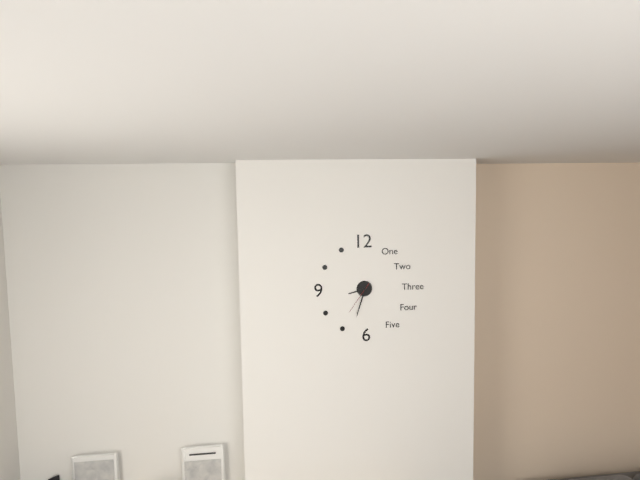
8.33
